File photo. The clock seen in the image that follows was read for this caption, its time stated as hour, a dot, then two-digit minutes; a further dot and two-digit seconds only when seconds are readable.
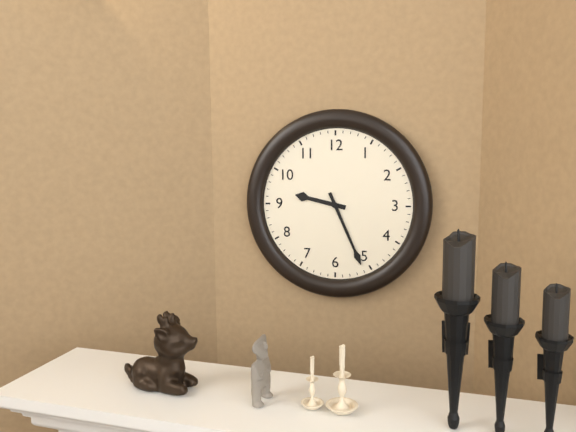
9.26
